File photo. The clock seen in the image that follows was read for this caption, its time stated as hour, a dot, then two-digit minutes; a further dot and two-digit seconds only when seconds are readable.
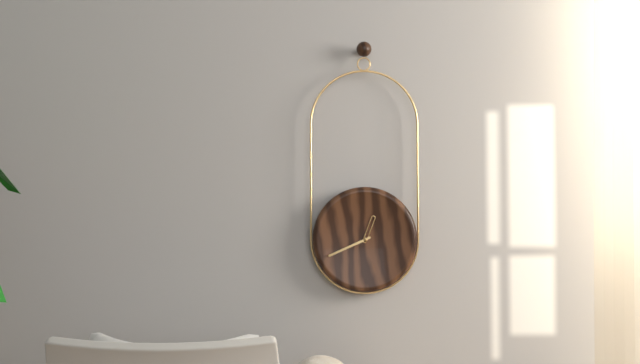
12.41
